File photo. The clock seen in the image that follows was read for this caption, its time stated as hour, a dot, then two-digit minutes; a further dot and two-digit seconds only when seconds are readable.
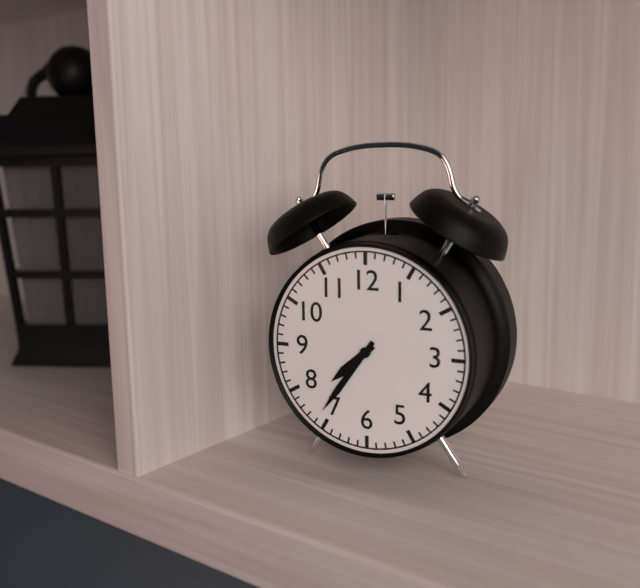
7.36
